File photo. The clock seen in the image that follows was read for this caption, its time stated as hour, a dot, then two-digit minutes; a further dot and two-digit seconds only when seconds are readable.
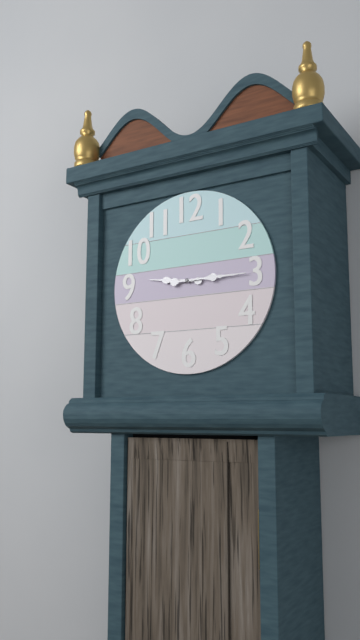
9.15
